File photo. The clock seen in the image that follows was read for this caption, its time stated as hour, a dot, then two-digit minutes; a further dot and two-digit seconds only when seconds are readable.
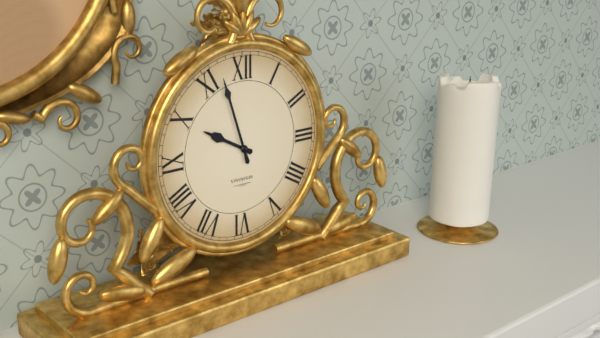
9.57
